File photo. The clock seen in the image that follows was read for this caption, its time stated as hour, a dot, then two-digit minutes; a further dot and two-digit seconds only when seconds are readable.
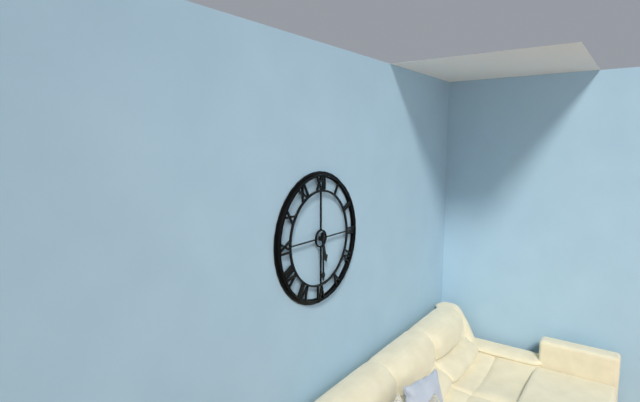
5.30
